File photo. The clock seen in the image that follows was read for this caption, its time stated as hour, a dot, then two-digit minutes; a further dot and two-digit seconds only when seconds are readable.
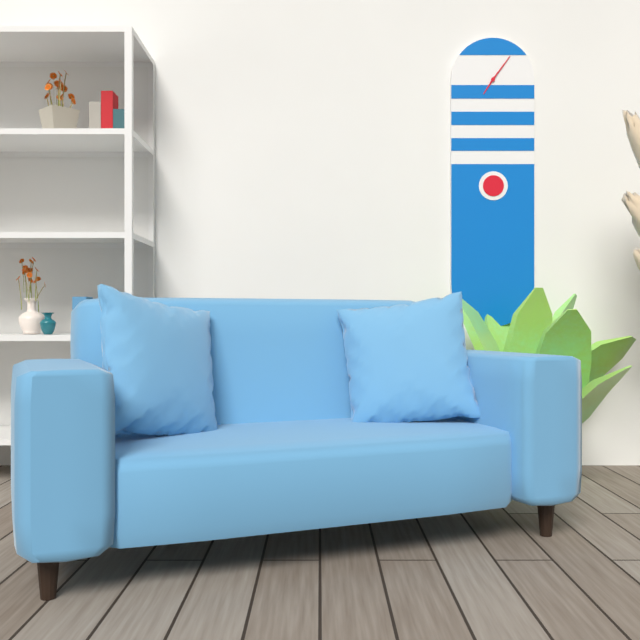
7.06
